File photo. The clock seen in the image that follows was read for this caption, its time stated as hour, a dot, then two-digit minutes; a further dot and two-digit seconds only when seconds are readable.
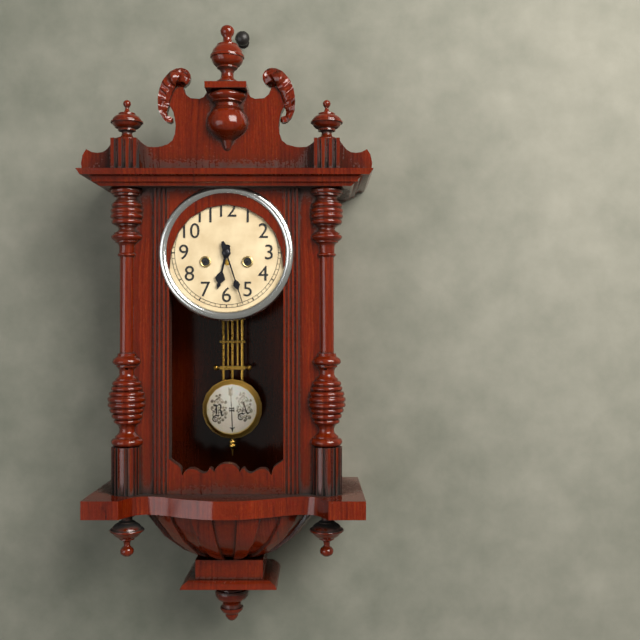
6.27
